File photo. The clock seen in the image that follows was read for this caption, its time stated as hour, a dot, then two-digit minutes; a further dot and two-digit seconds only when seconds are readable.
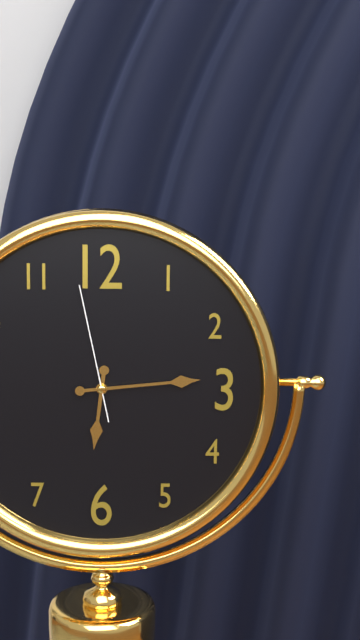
6.14.58
